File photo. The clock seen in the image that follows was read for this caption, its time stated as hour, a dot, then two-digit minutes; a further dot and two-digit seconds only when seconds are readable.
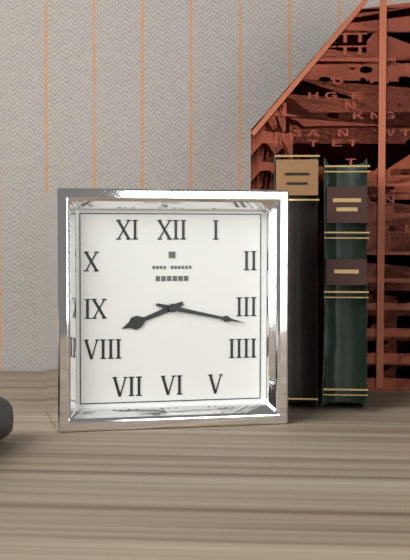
8.17
